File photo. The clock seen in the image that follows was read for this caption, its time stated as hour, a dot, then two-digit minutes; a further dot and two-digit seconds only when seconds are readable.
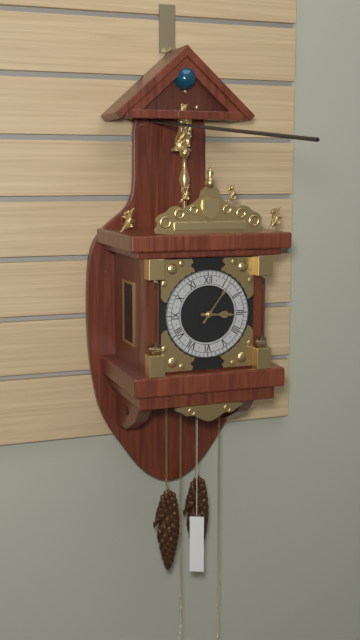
3.06
